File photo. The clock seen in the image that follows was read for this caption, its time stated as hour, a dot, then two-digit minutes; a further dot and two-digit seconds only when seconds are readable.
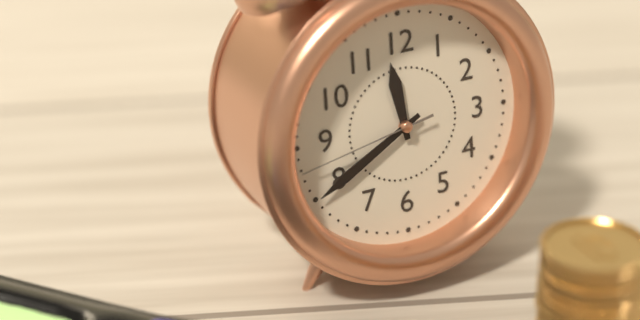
11.40.43
